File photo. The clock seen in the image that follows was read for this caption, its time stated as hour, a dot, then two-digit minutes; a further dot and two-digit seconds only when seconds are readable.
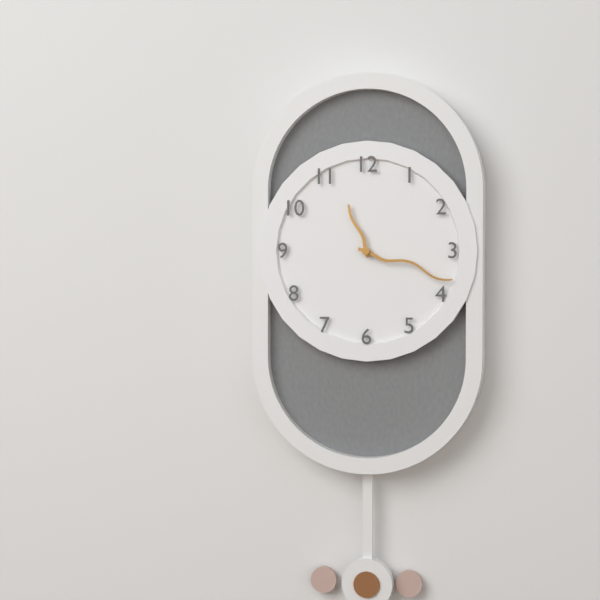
11.18
